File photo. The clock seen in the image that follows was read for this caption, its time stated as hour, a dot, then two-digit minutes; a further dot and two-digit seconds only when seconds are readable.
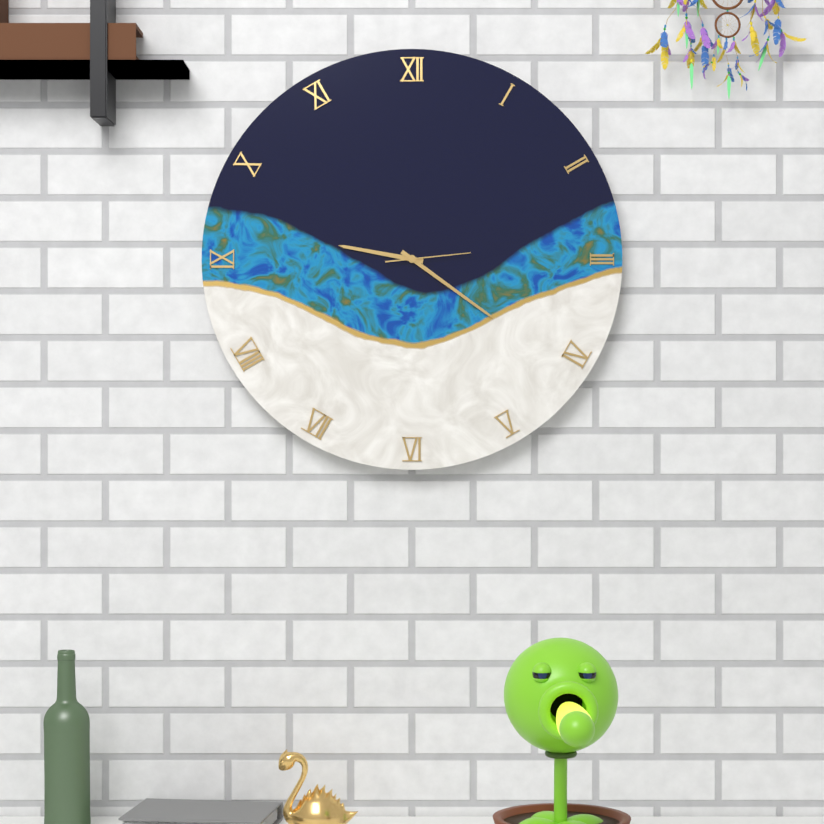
9.21.14
